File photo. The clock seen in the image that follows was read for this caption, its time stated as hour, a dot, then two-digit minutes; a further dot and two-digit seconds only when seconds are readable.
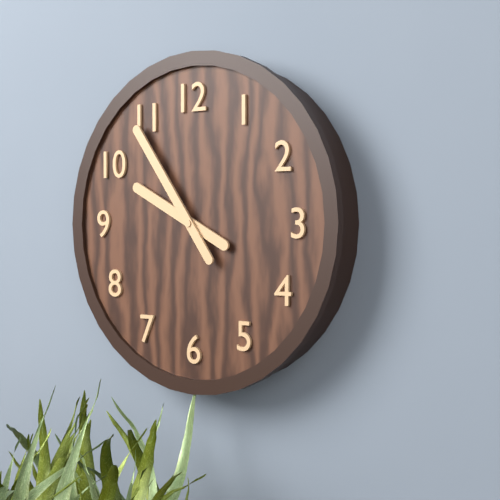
9.54
